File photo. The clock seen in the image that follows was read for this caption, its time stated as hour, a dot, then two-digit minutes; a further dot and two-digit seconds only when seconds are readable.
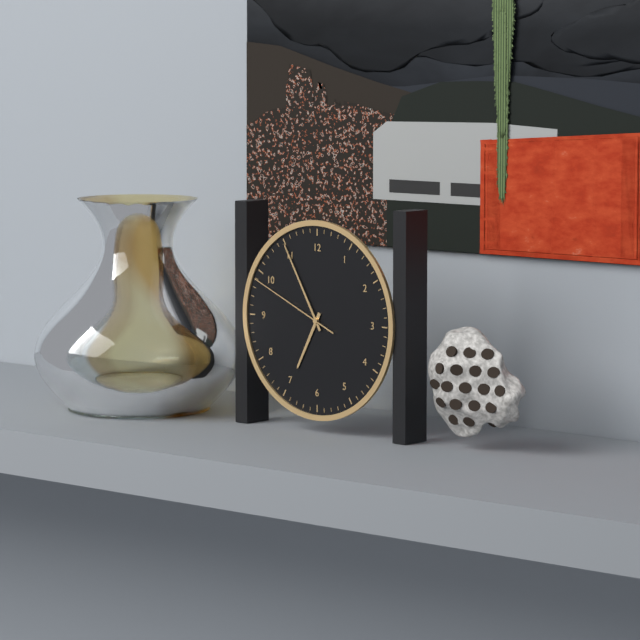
6.55.49
